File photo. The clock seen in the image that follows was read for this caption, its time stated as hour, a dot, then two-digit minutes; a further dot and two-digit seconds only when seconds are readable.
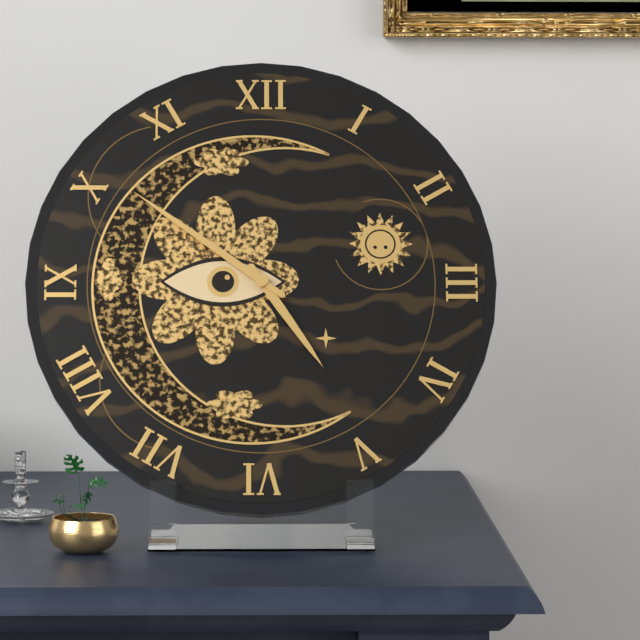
4.51
